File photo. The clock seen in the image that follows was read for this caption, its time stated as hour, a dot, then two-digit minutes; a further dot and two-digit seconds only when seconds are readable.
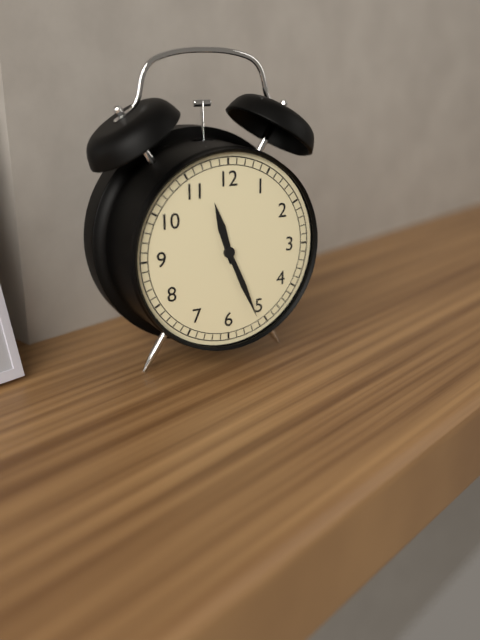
11.26
